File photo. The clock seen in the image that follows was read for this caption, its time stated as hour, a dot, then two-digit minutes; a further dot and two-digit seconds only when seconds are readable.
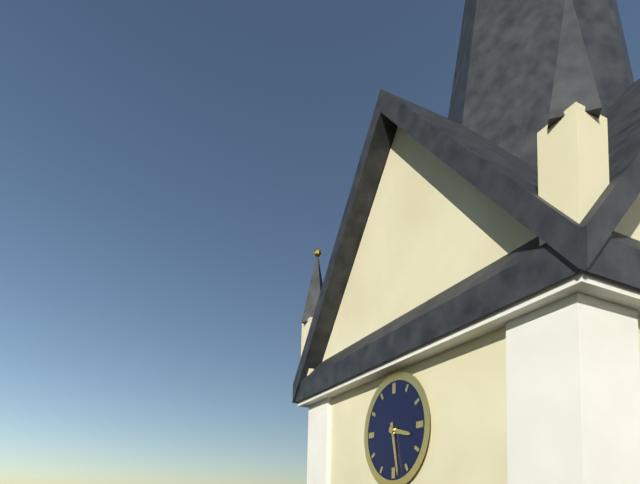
3.28
